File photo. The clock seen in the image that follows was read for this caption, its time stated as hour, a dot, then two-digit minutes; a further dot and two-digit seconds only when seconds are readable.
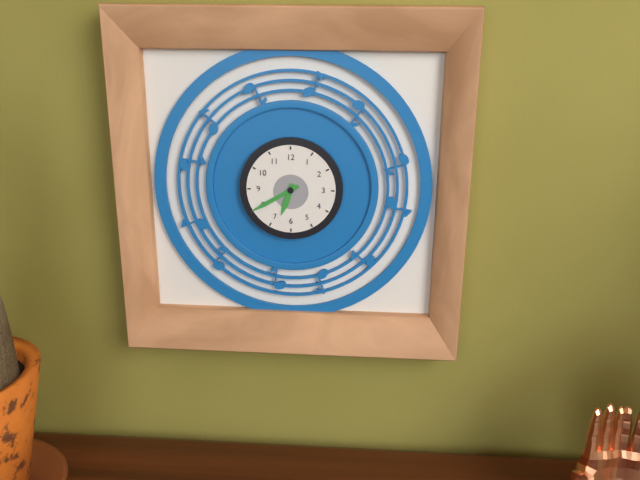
6.40
